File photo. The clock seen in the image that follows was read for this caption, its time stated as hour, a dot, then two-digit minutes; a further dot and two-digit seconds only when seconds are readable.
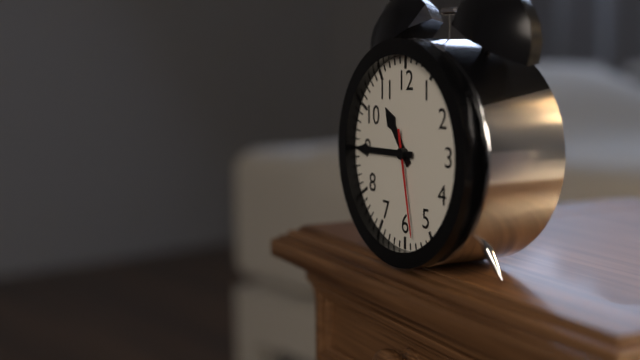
10.45.28
